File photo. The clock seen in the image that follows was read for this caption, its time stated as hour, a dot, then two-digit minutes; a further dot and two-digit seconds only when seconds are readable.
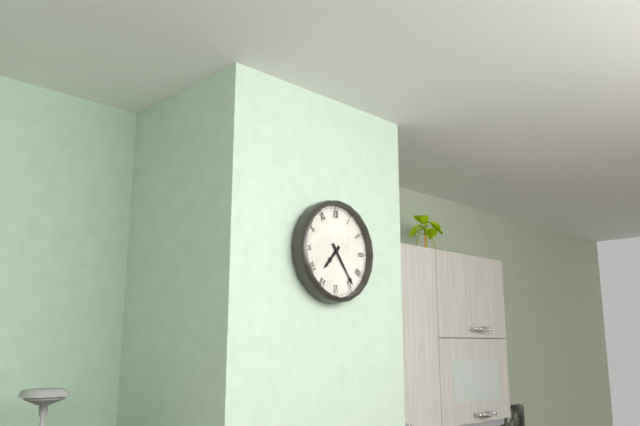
7.24
